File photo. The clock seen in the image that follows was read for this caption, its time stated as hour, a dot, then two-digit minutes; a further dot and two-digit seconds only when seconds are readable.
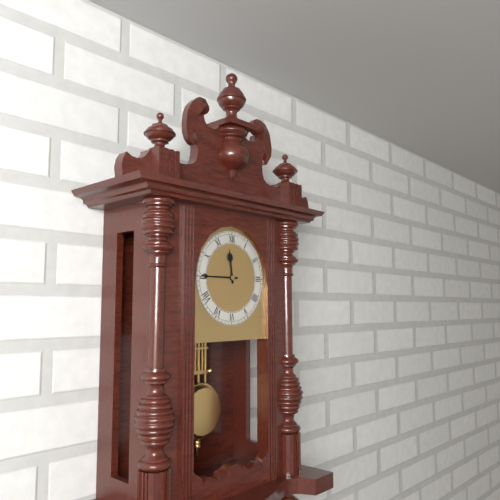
11.45
